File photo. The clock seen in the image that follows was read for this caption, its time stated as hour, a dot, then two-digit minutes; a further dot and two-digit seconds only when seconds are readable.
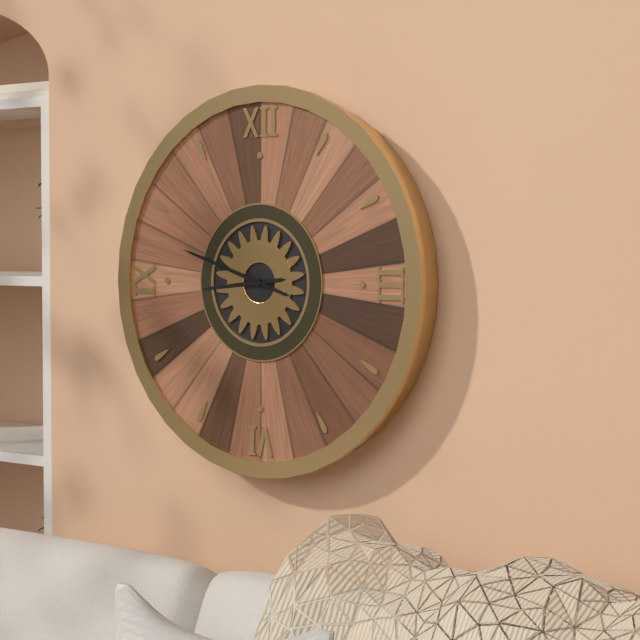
8.48
